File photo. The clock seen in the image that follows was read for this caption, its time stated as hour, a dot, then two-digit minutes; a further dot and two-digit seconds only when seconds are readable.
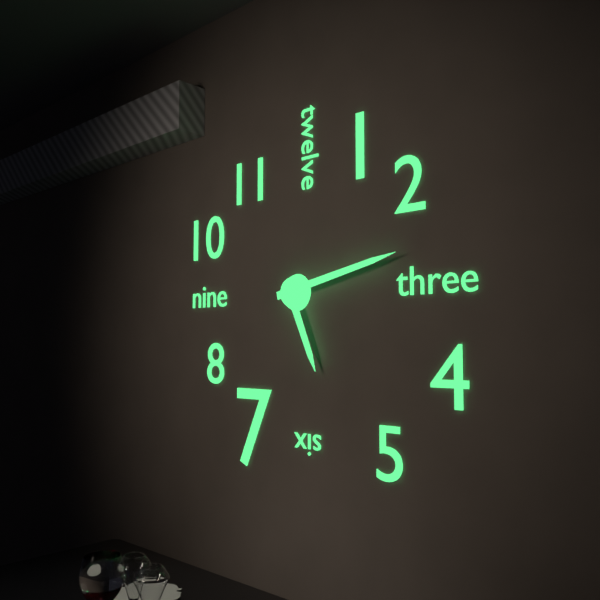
5.13
